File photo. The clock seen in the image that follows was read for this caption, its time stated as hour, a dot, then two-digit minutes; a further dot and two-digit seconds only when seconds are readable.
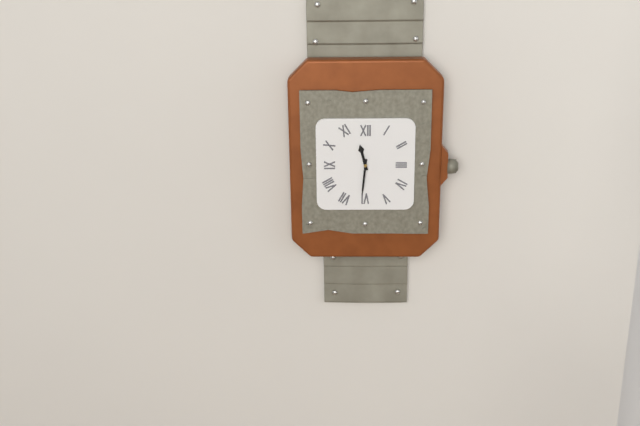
11.31
